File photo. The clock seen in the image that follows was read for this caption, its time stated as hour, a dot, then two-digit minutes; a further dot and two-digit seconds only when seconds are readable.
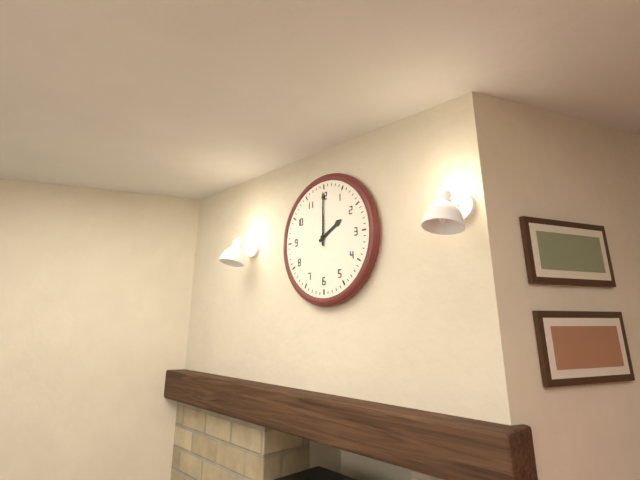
2.00
